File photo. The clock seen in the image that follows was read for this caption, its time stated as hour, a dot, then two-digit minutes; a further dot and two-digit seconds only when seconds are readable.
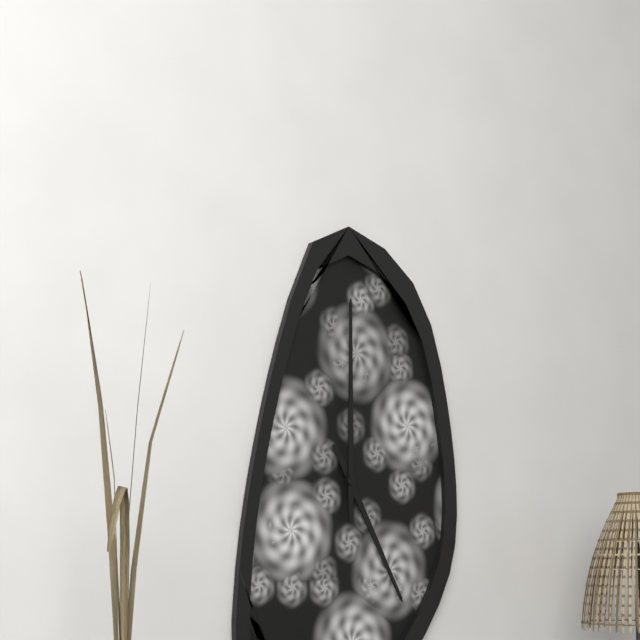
5.00
